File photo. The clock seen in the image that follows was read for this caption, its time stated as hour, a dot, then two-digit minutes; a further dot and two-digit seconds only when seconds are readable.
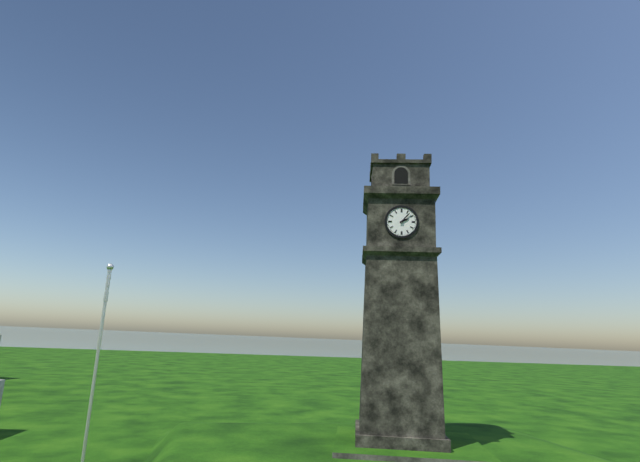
2.07
